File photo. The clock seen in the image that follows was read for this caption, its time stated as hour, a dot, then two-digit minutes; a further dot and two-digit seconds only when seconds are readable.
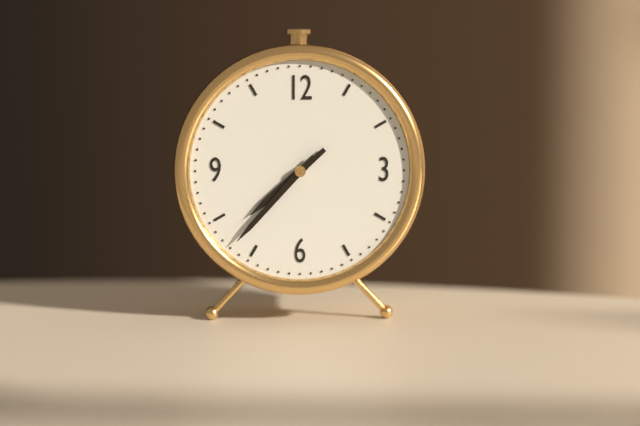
7.37
